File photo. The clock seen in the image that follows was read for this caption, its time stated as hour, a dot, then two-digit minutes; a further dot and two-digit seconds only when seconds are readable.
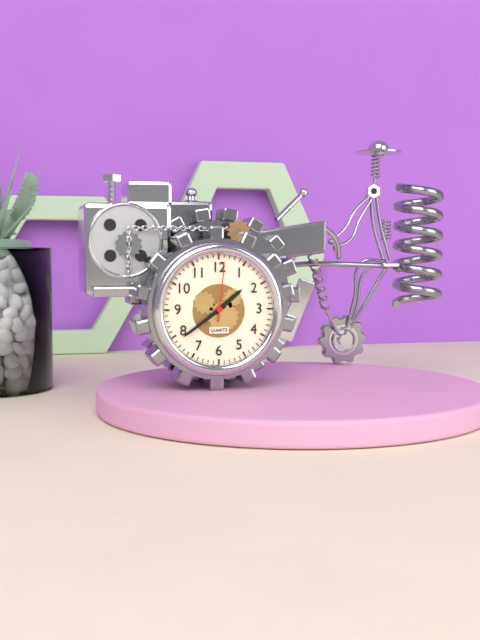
1.39.01
